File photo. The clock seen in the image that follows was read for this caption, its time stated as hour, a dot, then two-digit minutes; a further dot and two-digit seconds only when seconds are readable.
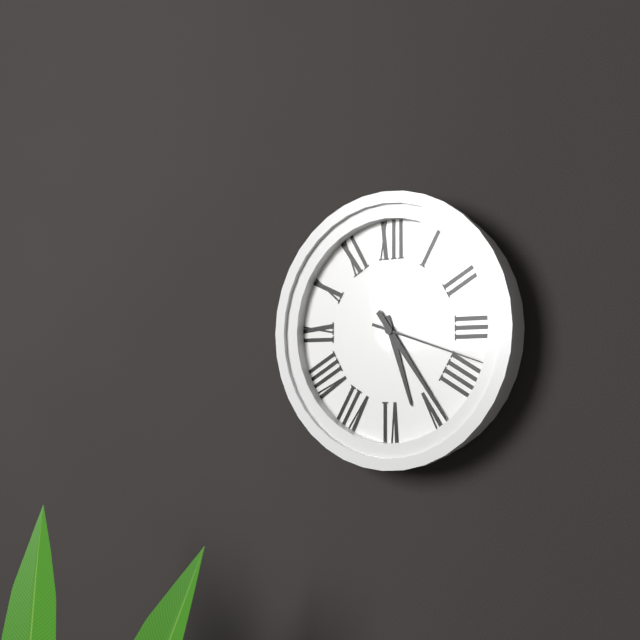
5.24.18
